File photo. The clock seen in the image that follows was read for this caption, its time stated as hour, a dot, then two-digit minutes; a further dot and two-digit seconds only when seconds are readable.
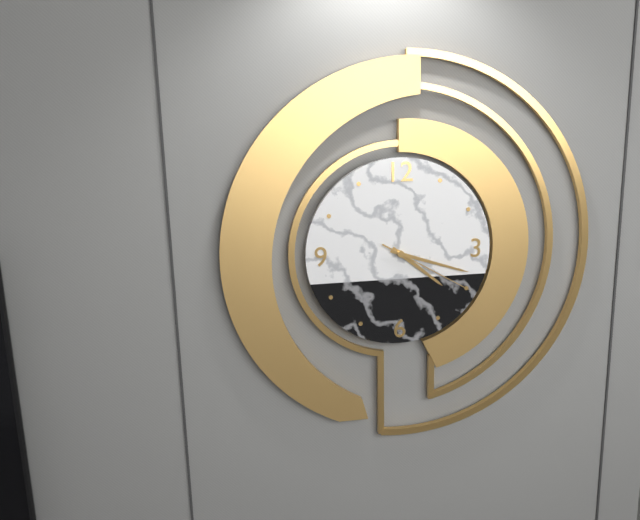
4.18.20
